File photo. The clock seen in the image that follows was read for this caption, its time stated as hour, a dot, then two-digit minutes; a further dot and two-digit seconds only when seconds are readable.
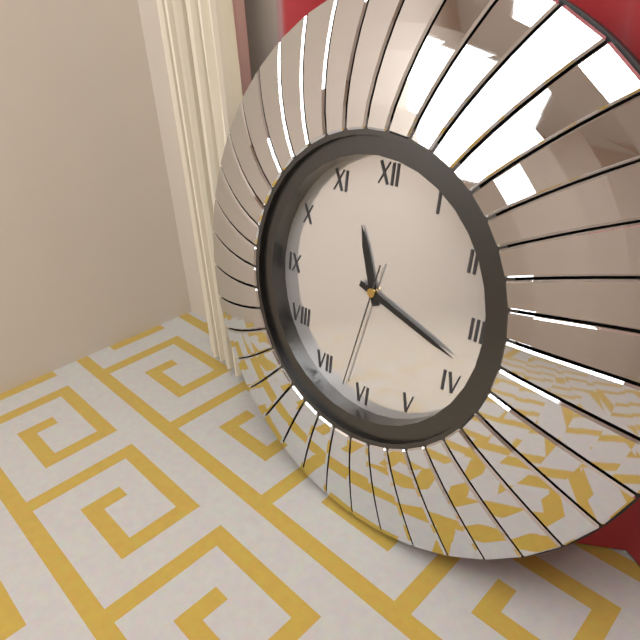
11.18.32
